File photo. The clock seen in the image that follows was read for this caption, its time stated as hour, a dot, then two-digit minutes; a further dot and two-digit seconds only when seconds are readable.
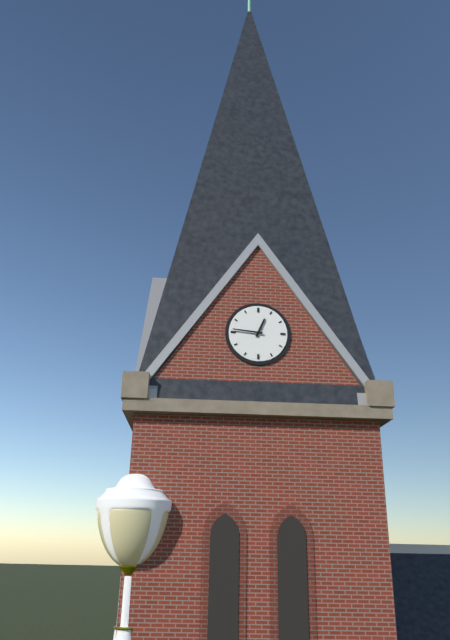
12.46
